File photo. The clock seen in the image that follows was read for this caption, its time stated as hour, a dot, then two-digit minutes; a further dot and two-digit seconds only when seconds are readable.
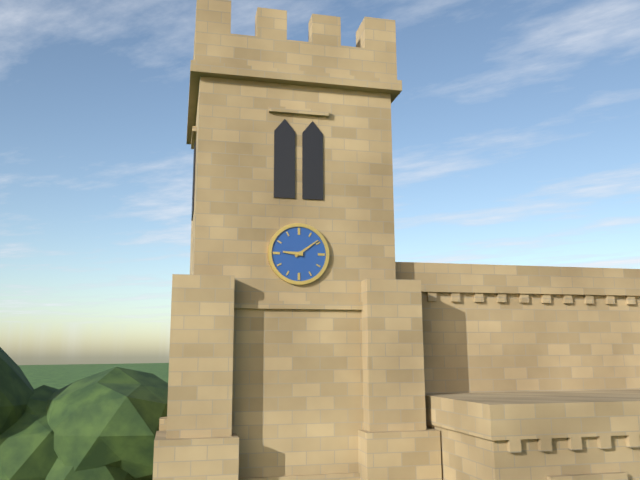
9.09
